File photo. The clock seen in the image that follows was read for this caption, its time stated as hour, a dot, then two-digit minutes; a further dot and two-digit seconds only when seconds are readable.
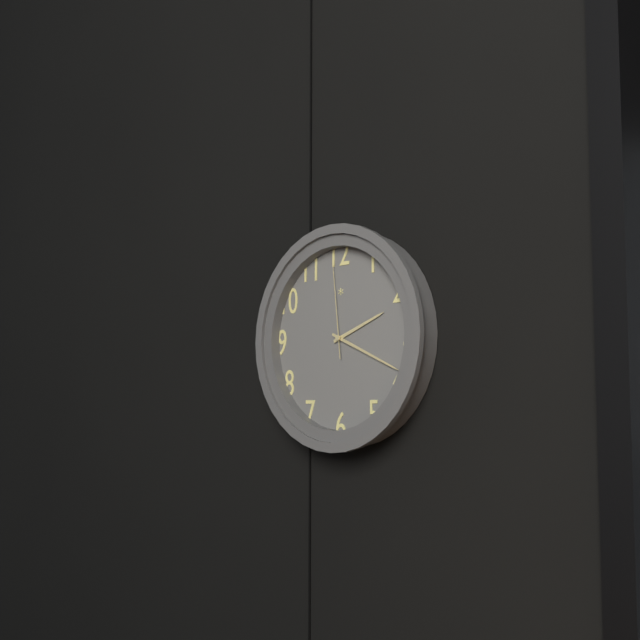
2.19.59
